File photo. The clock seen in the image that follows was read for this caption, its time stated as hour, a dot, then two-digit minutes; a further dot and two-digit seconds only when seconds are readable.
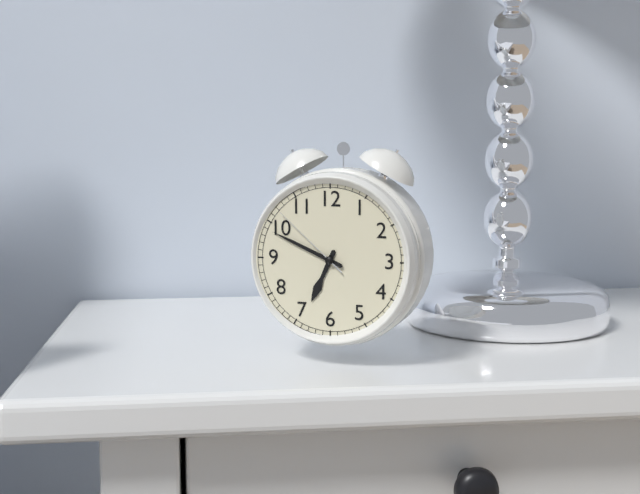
6.49.52
